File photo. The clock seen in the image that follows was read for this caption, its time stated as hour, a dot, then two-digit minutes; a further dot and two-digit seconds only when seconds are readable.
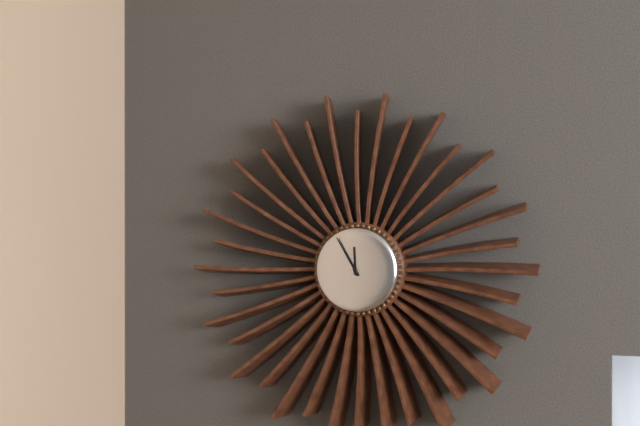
11.55
